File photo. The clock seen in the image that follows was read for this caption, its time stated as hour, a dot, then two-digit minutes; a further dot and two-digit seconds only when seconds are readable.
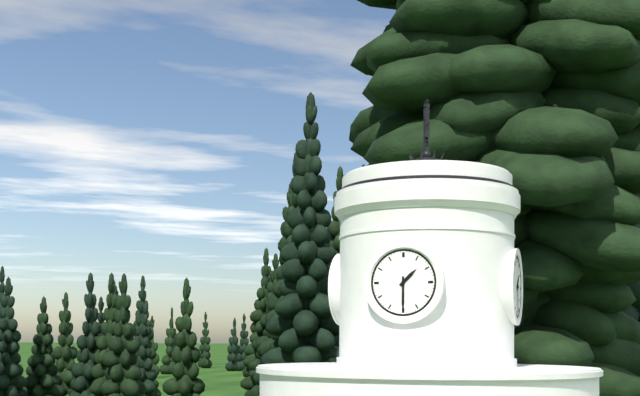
1.30
